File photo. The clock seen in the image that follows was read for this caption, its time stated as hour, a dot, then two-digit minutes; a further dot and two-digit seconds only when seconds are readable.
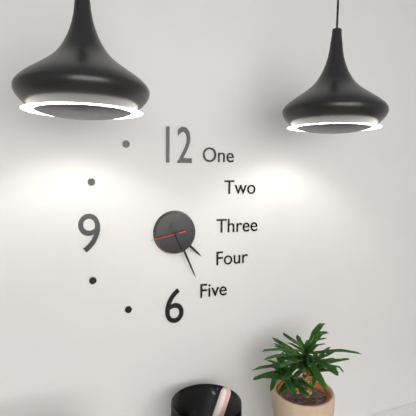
4.26
